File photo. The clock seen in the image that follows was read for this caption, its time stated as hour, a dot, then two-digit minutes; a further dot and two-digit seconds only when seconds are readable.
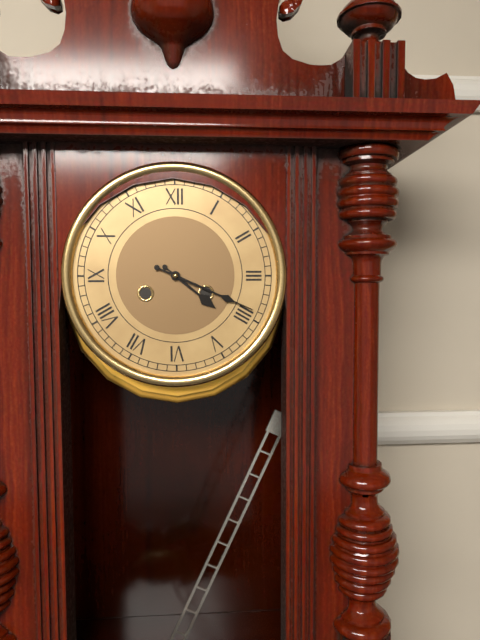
4.19
